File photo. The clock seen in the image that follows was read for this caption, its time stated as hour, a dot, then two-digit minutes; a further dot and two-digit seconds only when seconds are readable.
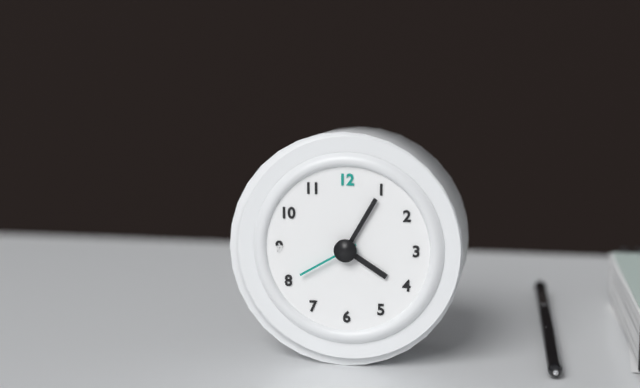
4.05.40
